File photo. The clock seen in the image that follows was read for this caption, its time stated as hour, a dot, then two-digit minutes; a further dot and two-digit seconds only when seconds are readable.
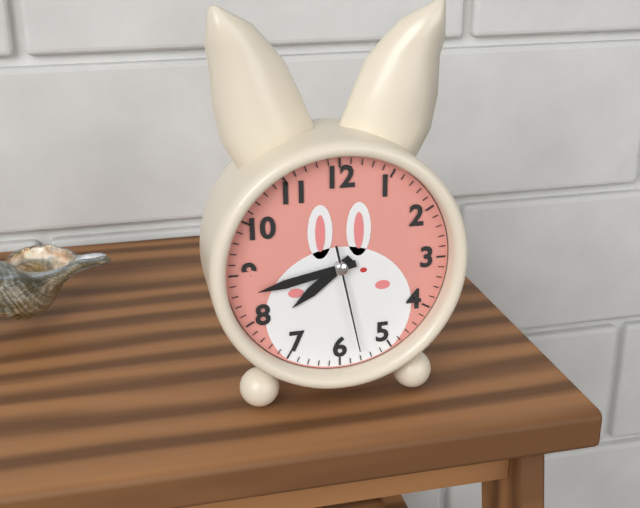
7.43.28
